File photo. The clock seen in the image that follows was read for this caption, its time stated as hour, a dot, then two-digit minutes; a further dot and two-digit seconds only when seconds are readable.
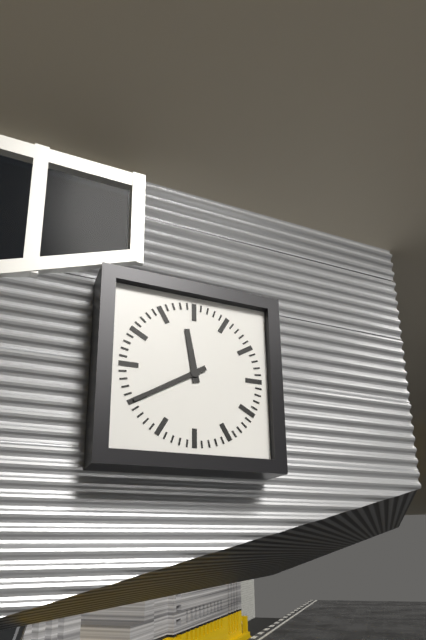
11.40
